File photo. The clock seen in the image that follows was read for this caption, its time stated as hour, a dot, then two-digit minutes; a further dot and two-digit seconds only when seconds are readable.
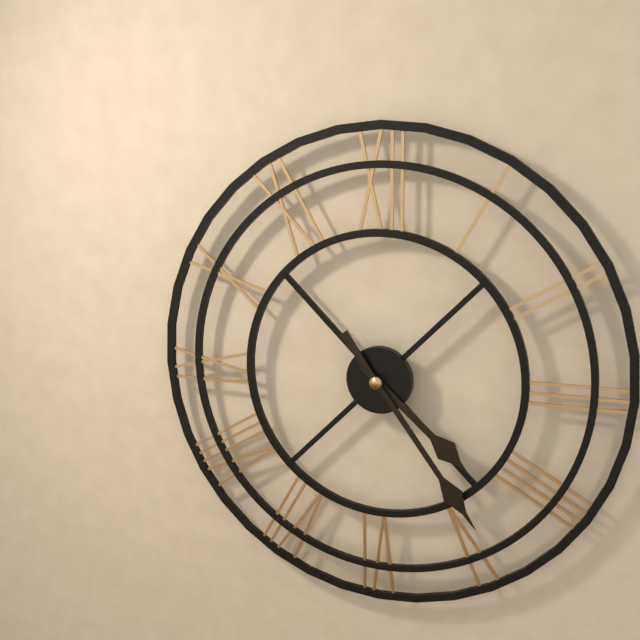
4.24
